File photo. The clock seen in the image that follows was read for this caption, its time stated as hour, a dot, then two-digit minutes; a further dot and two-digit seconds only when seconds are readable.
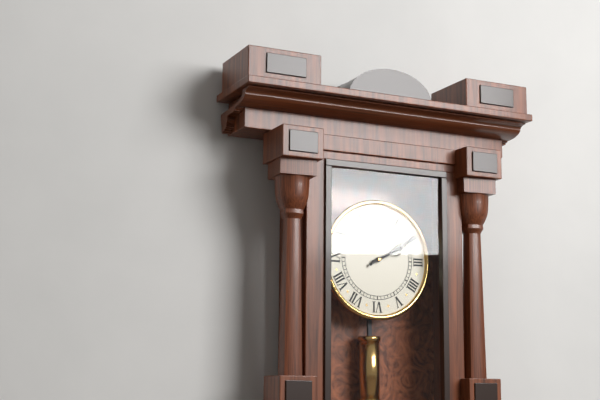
2.10
